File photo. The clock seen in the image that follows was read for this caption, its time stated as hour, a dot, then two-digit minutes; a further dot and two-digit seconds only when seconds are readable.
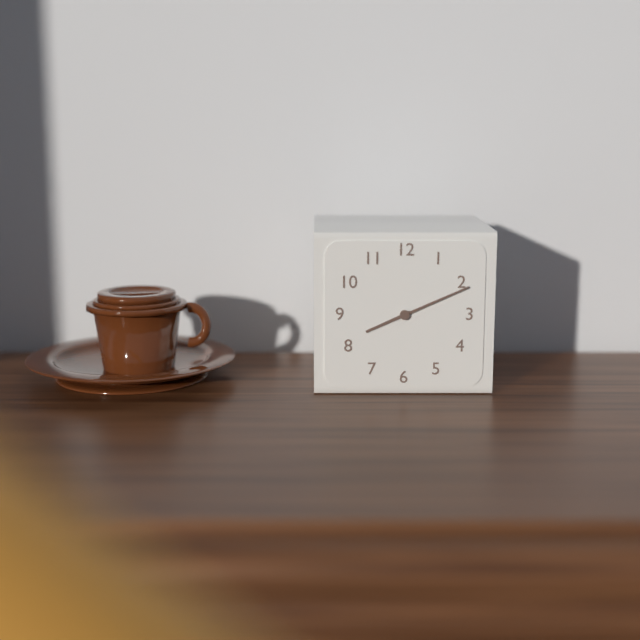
8.11
